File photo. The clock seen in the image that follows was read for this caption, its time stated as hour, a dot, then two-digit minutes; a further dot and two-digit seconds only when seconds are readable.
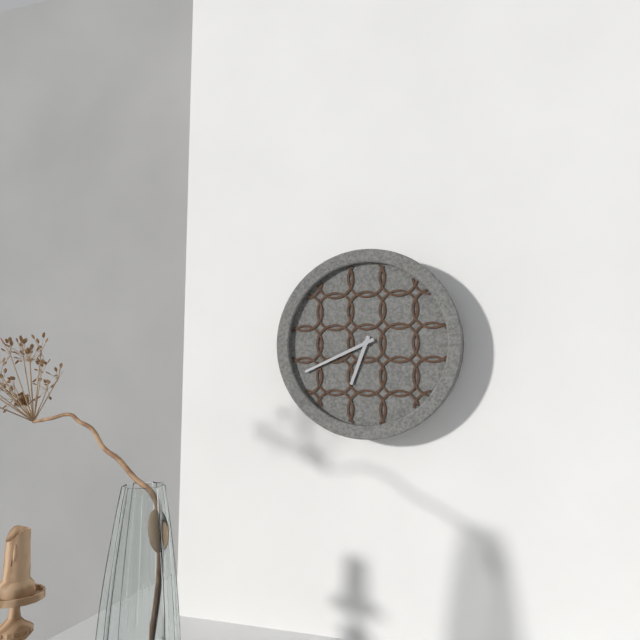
6.41
